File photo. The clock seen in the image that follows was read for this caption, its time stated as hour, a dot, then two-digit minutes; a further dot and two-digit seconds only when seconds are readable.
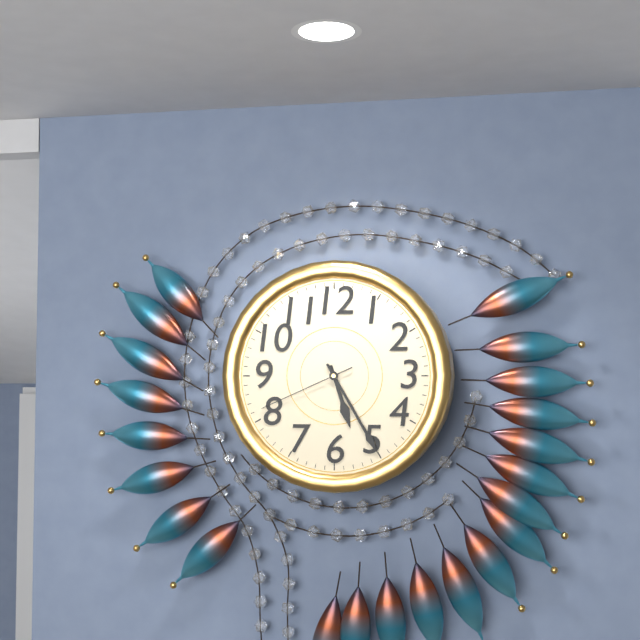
5.25.41
